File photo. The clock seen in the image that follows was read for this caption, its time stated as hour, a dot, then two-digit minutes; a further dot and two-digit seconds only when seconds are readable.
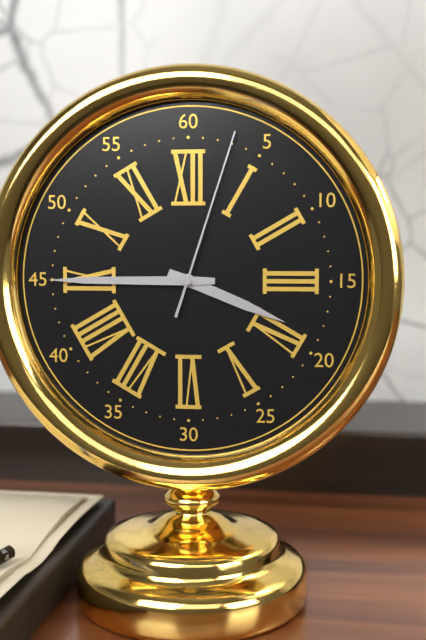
3.45.03
